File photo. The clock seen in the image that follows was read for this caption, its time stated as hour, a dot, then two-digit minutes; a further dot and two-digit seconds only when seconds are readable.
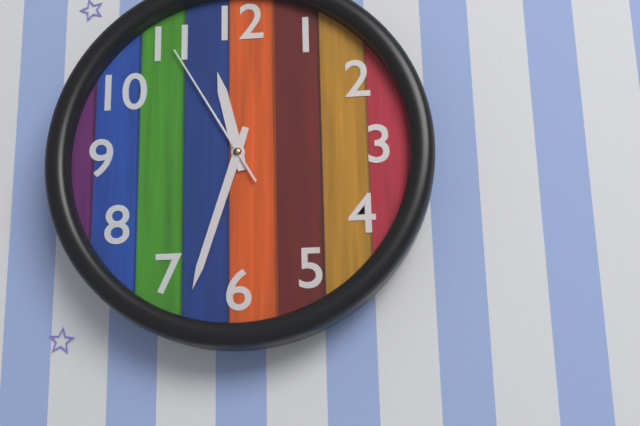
11.33.55
